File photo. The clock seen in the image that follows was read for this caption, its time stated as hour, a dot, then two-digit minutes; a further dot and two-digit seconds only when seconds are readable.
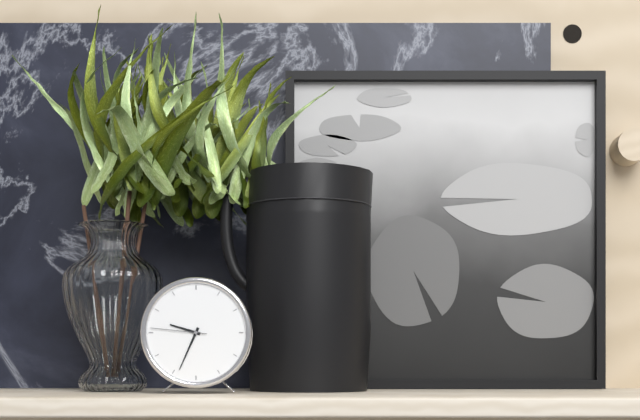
9.34.46
